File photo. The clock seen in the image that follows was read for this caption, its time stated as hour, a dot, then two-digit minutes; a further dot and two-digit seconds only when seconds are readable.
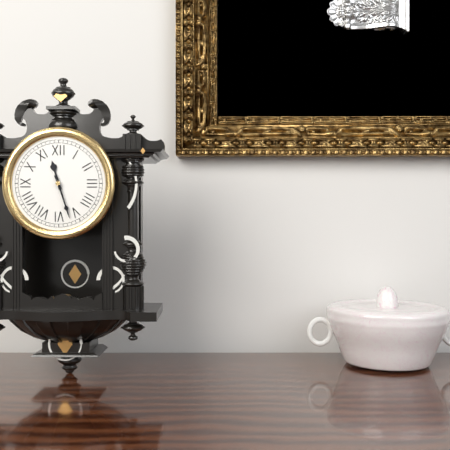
11.27
